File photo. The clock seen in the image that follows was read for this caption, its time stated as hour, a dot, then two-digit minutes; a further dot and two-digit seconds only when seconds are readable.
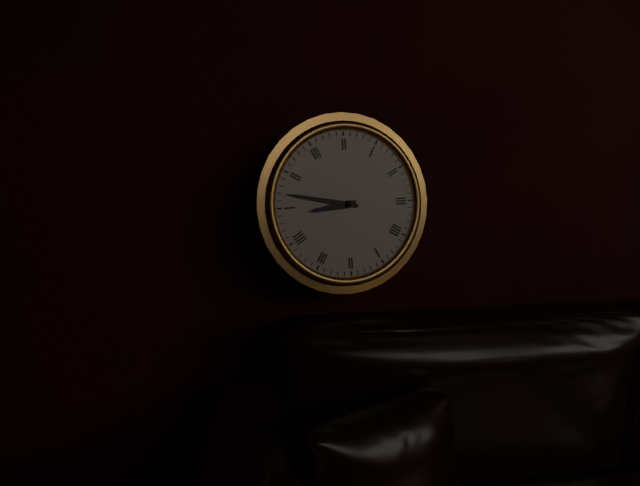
8.47
